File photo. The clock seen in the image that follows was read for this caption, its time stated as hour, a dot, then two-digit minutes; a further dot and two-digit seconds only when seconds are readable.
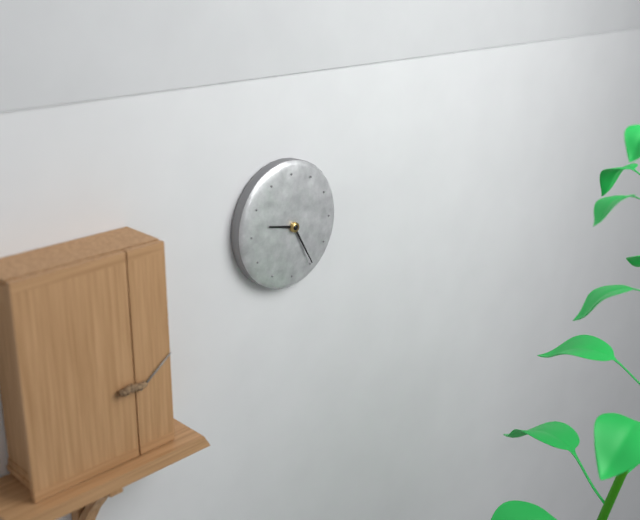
9.25
